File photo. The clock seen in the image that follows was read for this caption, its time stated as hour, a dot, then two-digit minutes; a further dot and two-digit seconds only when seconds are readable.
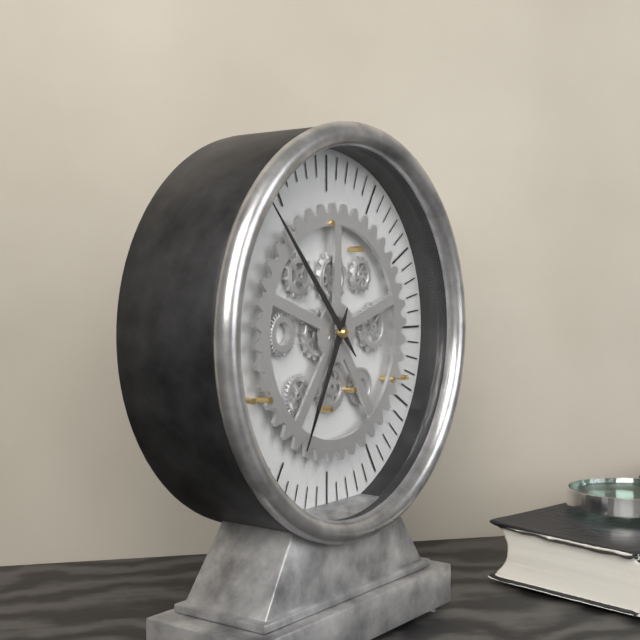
6.53
